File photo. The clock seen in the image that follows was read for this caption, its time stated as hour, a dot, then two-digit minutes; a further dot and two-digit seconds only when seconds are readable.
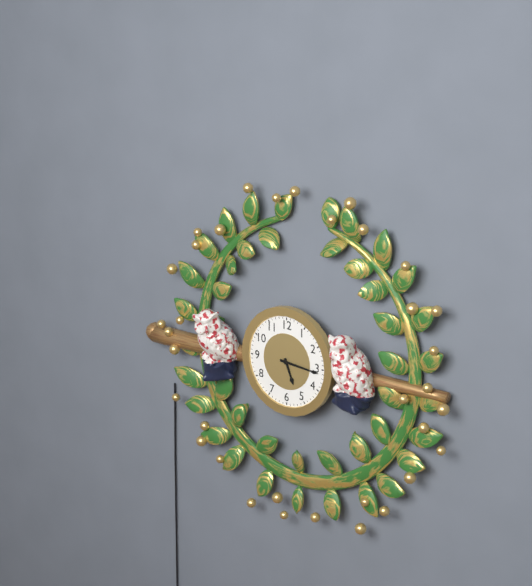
5.16
